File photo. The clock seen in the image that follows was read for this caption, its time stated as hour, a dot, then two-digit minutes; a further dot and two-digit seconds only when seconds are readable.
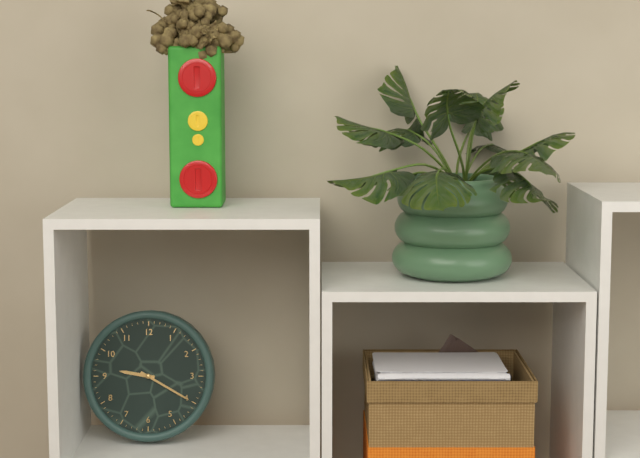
9.20
